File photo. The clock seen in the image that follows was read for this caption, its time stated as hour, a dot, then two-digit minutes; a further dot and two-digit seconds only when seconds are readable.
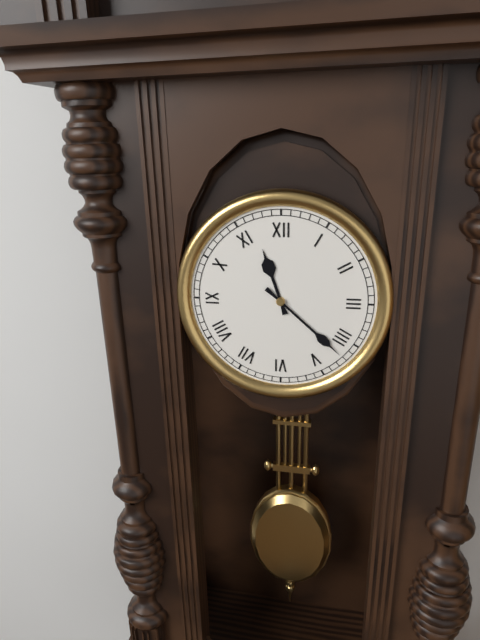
11.22
